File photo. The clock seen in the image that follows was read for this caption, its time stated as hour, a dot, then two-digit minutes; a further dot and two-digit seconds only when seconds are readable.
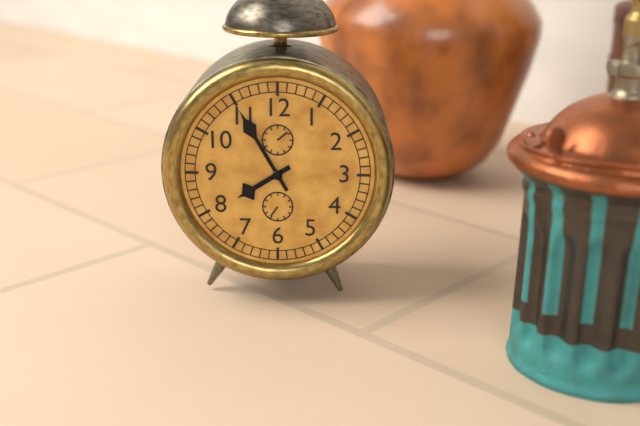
7.55
